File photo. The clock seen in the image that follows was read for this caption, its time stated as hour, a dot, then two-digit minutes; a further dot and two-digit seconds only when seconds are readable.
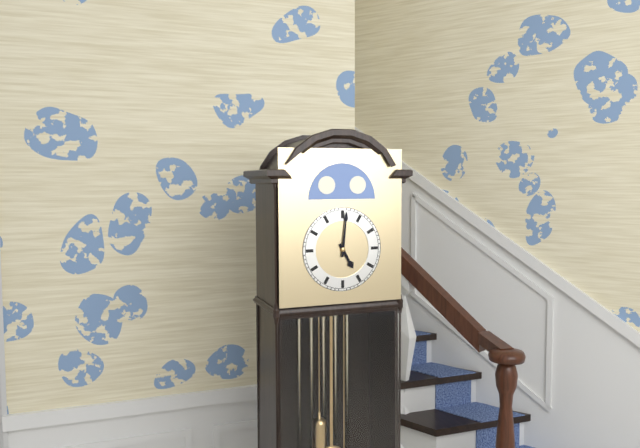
5.01
